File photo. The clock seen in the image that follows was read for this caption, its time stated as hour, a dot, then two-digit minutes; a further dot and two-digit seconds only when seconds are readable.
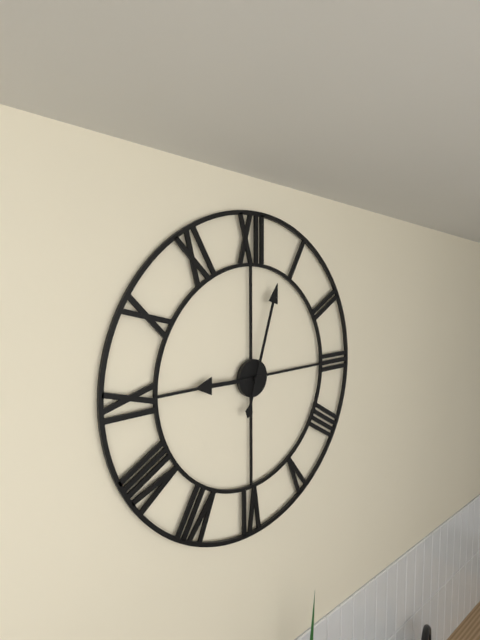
9.03
